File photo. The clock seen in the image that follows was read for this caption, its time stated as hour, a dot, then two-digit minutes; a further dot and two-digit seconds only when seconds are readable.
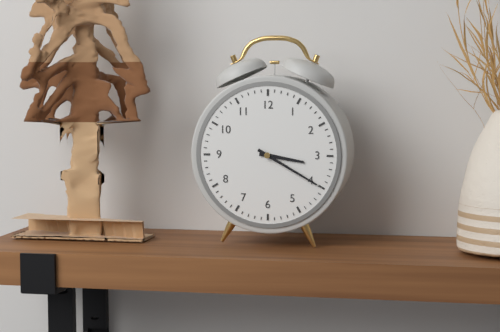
3.20
